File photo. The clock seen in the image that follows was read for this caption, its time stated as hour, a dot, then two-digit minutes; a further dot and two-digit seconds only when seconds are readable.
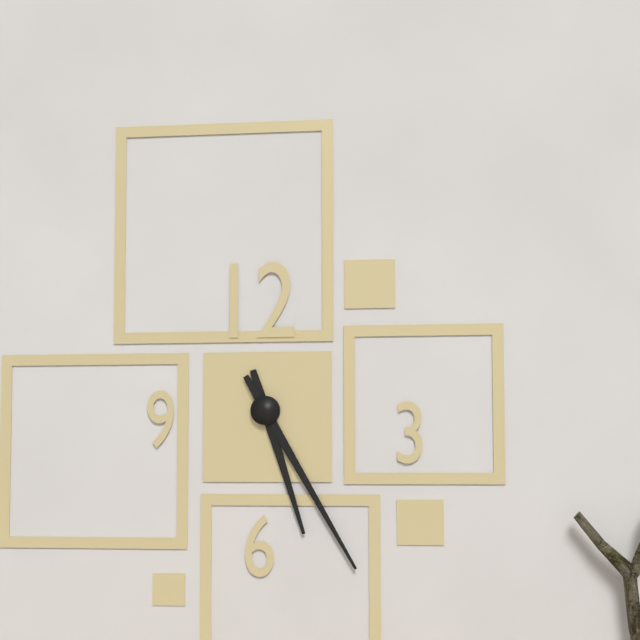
5.25
